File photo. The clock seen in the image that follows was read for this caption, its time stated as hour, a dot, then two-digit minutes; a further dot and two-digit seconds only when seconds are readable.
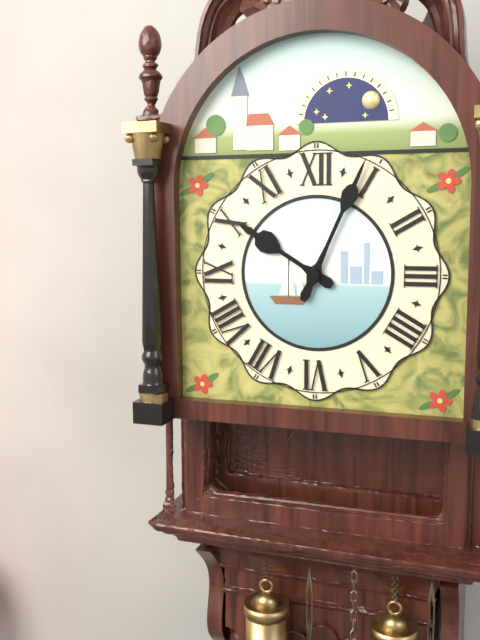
10.04
